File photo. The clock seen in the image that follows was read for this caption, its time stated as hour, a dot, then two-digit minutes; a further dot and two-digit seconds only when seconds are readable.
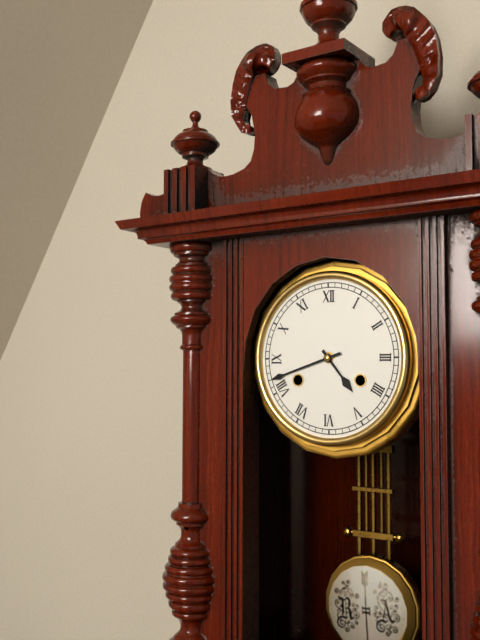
4.42
